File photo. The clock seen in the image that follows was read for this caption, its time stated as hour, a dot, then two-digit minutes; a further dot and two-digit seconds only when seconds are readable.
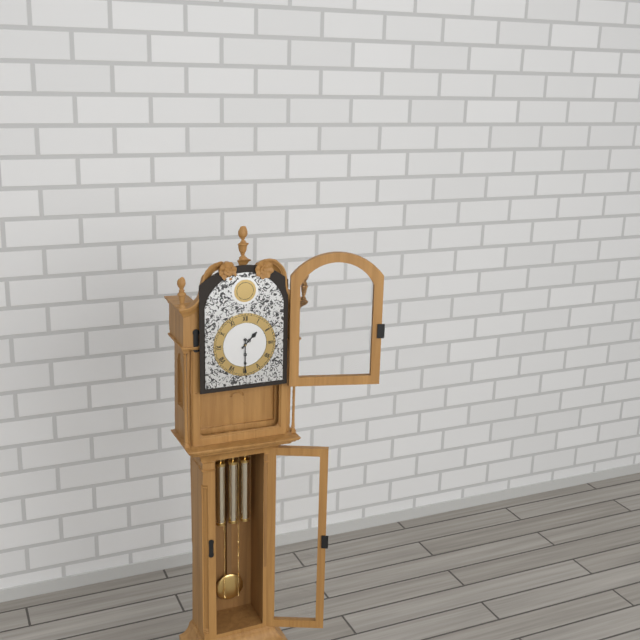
1.30
